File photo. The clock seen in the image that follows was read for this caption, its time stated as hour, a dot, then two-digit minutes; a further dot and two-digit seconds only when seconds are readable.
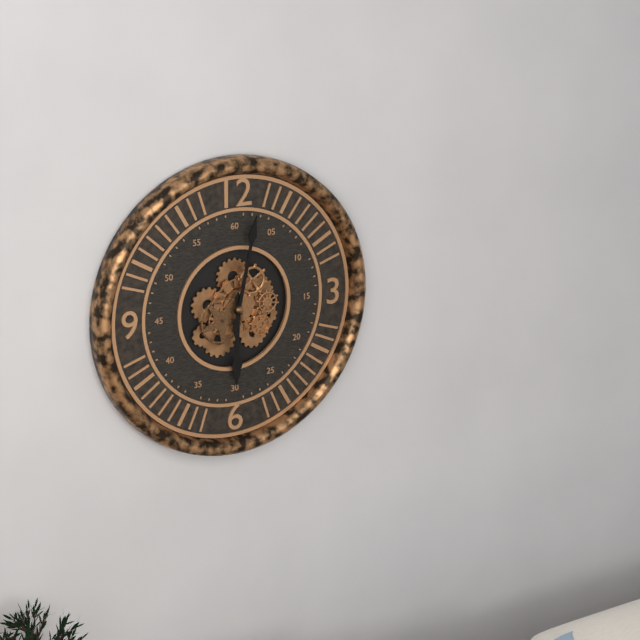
6.02
